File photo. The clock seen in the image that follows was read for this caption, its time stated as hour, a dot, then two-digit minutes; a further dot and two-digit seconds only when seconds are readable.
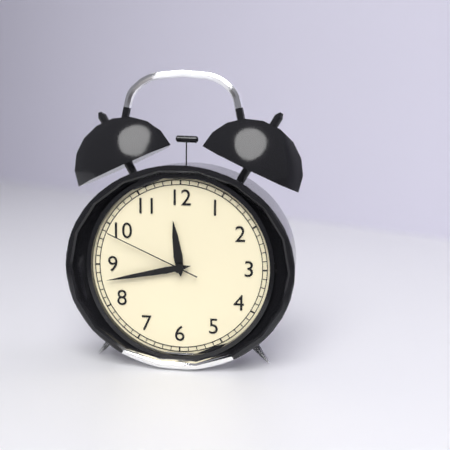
11.43.49
